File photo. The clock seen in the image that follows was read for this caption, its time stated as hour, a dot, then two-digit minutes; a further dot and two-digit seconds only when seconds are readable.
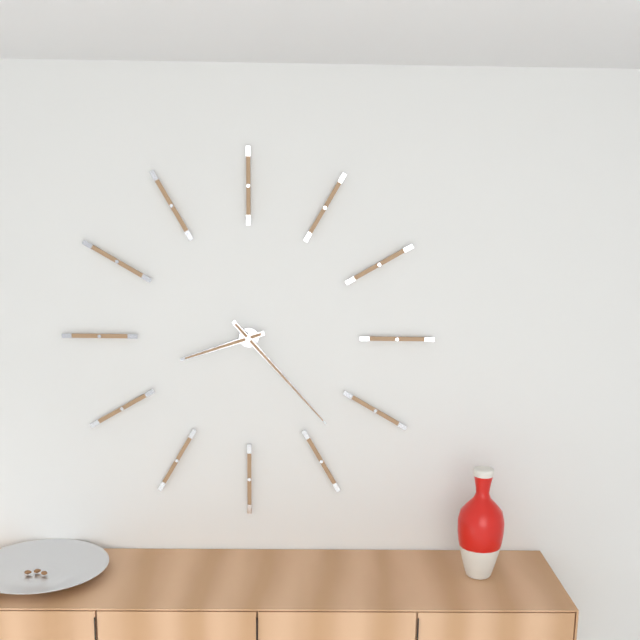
8.23
